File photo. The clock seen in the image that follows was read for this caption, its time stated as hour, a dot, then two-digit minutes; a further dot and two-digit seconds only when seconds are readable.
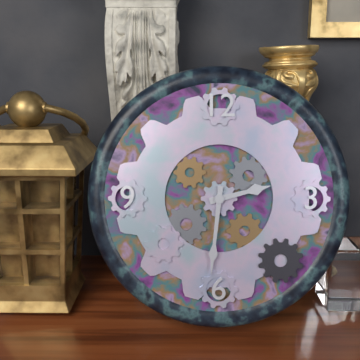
2.31
